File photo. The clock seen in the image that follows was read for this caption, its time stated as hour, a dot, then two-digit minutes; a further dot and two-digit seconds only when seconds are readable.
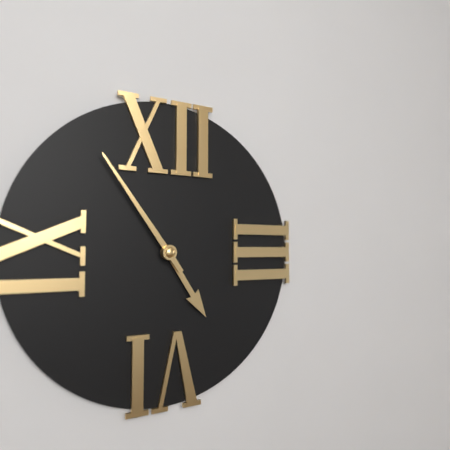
4.54
